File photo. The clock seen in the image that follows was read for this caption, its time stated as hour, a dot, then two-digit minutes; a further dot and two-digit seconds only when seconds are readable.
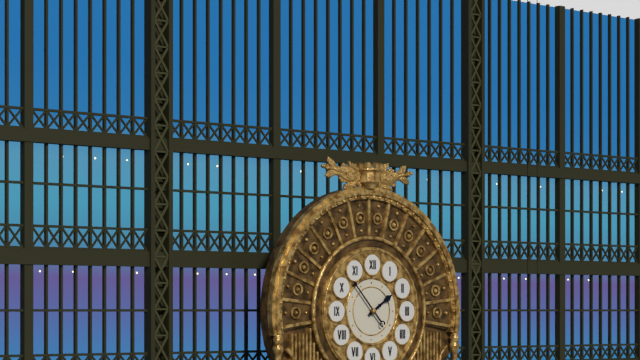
1.53
